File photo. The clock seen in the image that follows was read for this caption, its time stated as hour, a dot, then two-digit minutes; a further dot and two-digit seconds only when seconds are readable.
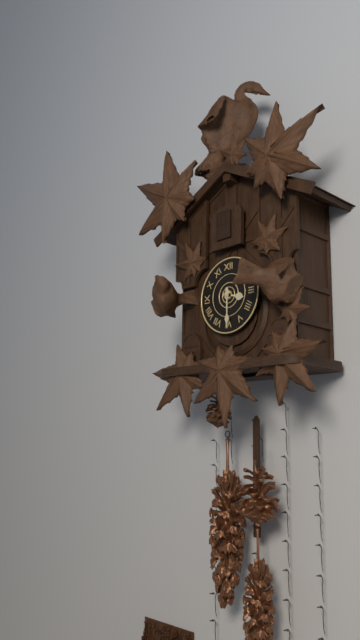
3.30
